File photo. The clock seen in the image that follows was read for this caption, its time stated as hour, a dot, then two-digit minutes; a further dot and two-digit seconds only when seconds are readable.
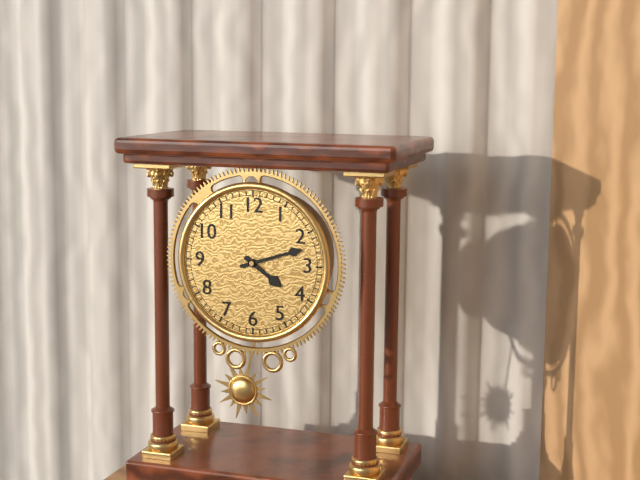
4.12
